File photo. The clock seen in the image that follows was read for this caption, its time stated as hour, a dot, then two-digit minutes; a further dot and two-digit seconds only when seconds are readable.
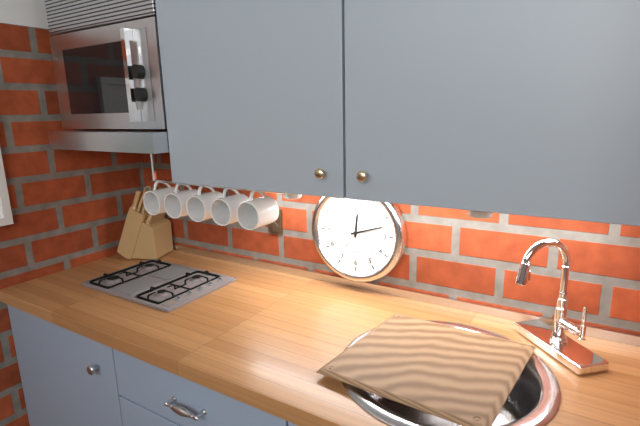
12.12
